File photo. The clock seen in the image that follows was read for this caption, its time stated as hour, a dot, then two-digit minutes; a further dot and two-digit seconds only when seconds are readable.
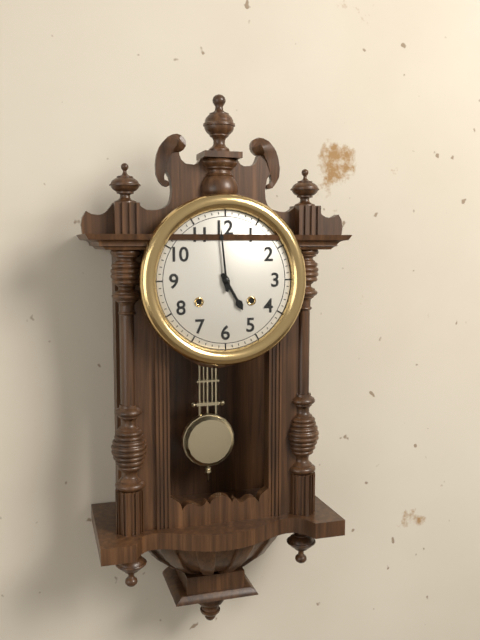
4.59
